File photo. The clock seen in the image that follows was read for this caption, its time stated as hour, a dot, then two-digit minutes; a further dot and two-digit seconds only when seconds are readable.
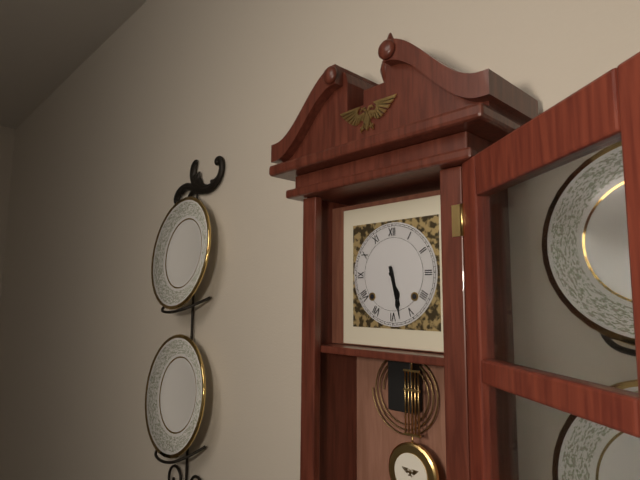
5.28
